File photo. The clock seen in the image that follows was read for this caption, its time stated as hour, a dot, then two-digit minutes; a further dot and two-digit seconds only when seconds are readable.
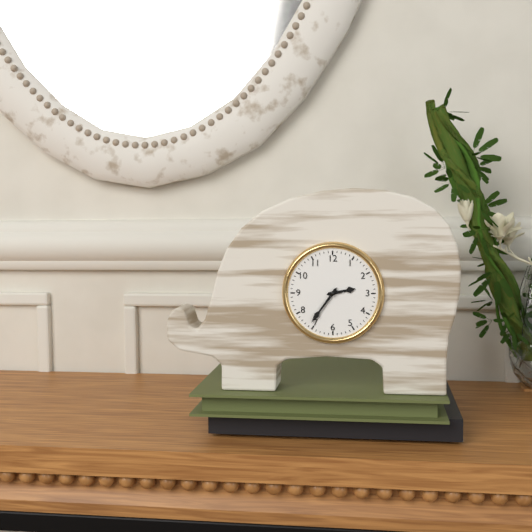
2.36
